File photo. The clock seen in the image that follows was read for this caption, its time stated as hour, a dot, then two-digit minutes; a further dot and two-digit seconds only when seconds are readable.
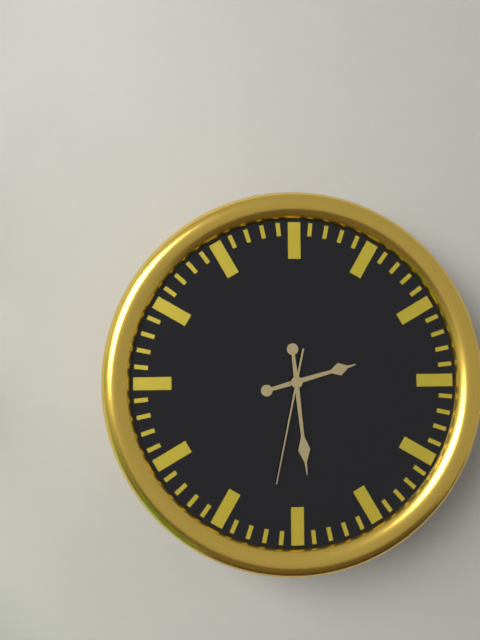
2.29.32
